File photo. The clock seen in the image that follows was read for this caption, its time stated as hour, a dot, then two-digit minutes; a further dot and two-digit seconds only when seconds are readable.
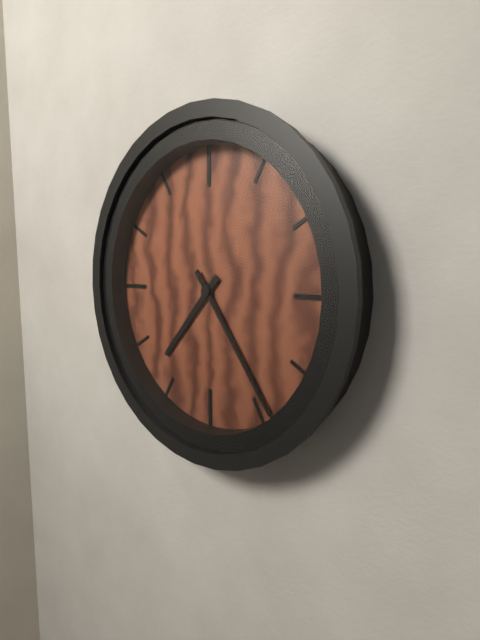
7.24
